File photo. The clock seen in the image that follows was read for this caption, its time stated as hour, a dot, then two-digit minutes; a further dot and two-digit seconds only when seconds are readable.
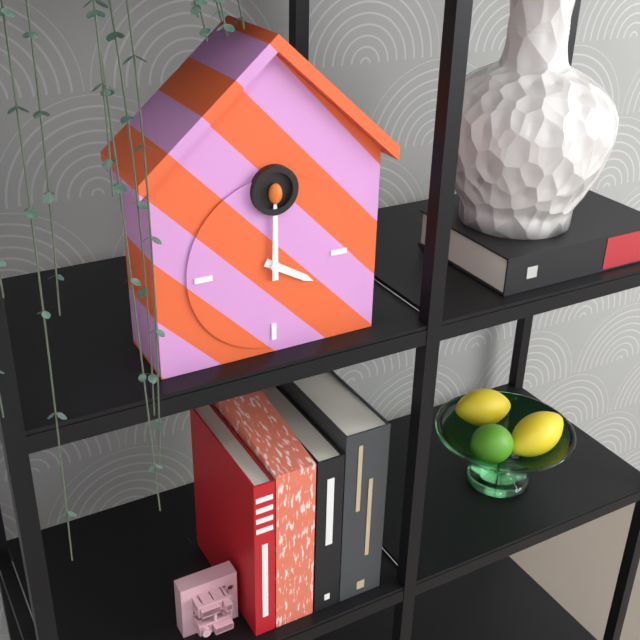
4.00
